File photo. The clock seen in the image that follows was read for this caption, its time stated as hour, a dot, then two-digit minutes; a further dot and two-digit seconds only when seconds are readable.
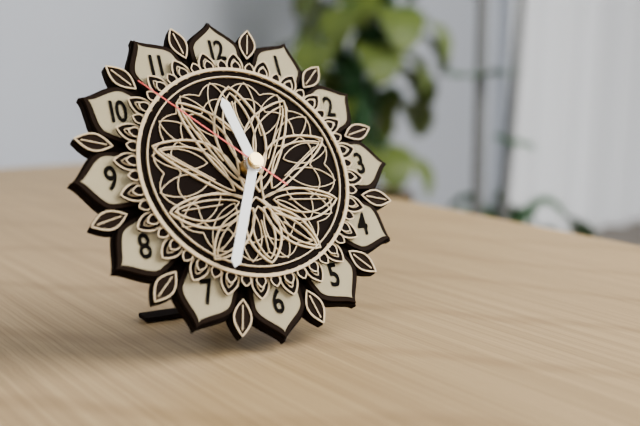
11.34.52
